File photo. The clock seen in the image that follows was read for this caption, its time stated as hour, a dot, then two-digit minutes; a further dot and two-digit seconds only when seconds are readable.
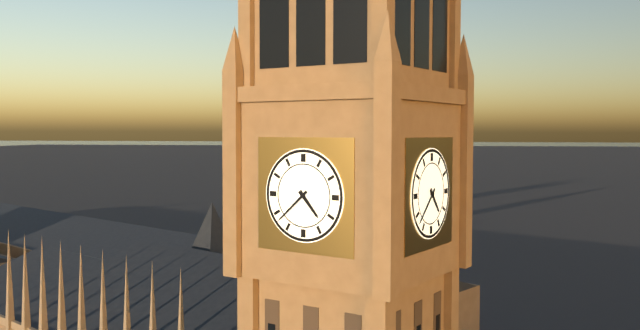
4.38
